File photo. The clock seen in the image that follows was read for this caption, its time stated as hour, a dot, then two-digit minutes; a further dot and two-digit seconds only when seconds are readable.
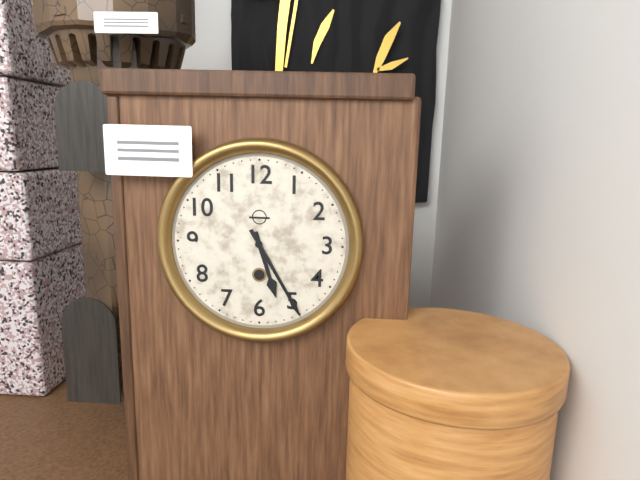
5.25
